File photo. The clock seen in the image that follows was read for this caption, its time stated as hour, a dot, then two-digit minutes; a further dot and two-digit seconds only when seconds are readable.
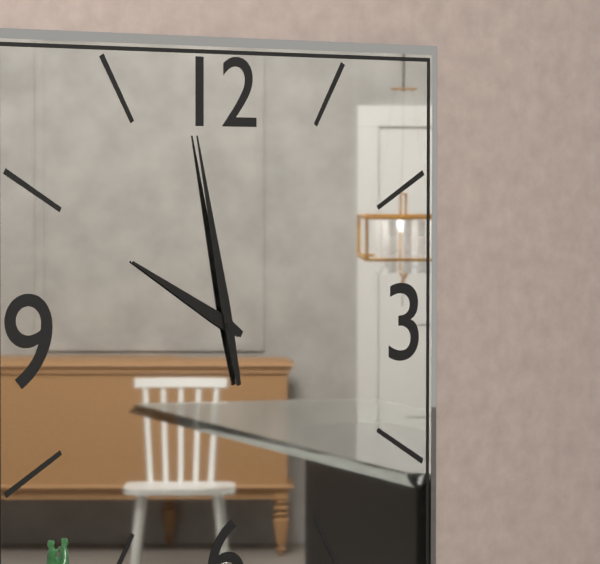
9.58
